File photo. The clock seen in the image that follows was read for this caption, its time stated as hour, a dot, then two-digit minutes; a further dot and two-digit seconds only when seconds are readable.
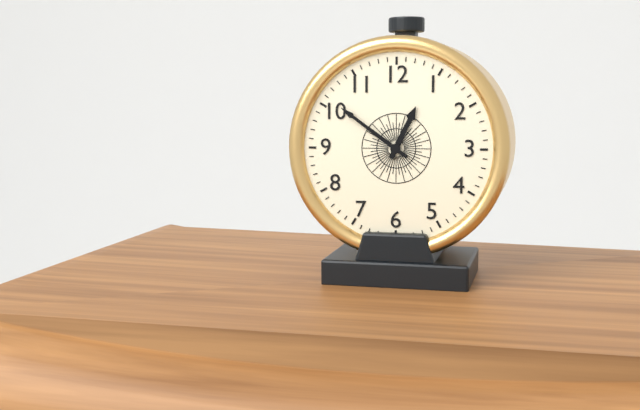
12.51
